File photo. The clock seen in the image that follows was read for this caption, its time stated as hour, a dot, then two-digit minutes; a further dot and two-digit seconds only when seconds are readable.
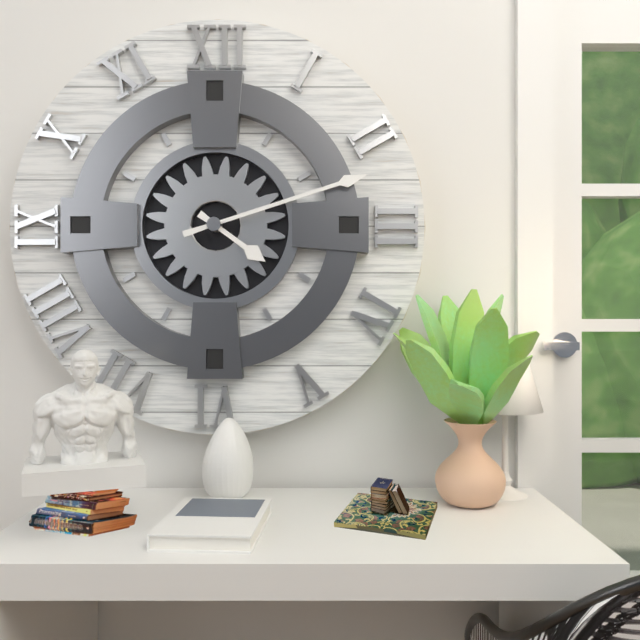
4.12
